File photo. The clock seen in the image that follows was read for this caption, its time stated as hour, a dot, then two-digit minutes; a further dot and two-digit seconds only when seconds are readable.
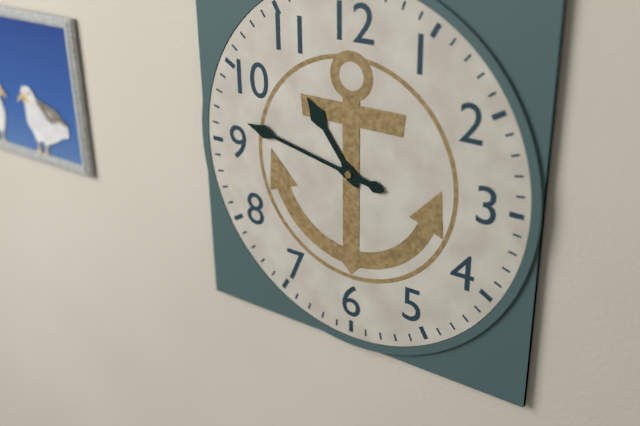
10.47
